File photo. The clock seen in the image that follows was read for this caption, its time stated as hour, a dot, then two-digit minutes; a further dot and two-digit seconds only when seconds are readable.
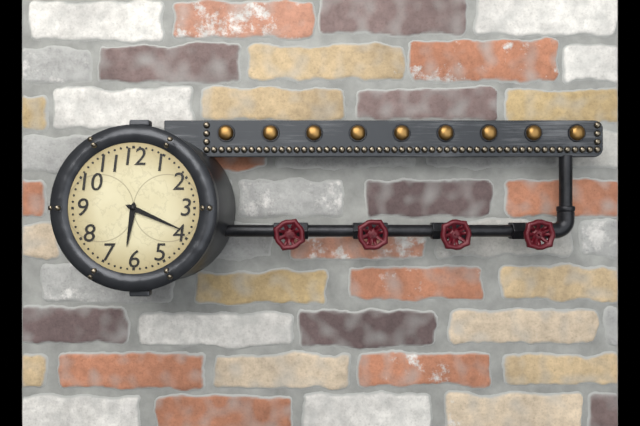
6.19
